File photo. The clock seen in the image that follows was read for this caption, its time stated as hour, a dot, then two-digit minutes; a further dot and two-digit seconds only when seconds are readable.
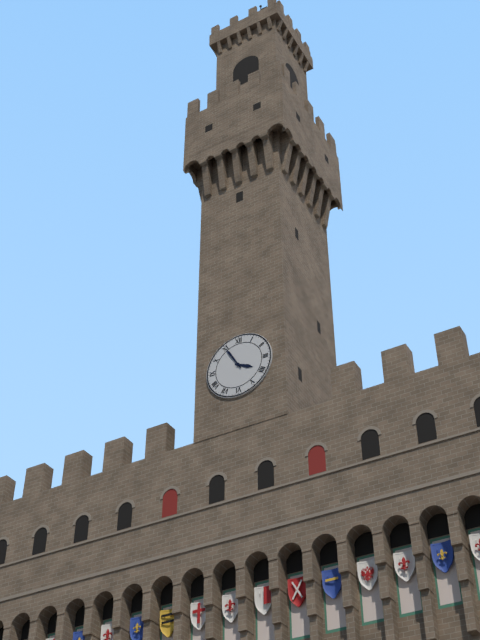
3.55
